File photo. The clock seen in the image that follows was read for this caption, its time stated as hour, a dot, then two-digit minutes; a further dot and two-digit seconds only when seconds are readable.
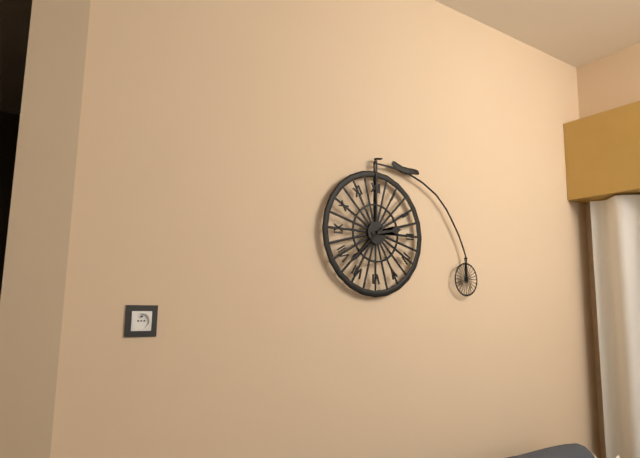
2.38
